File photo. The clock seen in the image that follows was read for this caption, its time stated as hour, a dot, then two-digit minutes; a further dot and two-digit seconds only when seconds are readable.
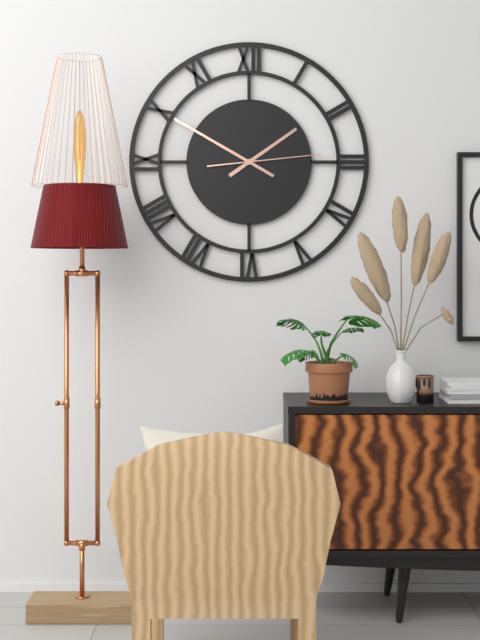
1.50.14
